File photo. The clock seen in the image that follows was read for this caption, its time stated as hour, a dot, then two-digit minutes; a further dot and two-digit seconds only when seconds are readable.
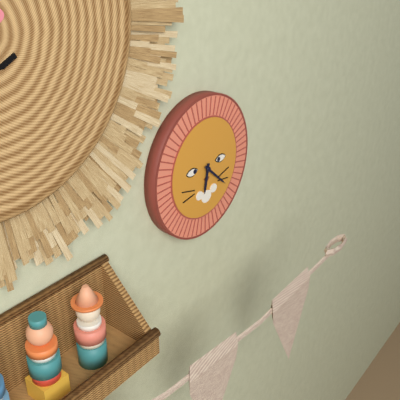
6.22
